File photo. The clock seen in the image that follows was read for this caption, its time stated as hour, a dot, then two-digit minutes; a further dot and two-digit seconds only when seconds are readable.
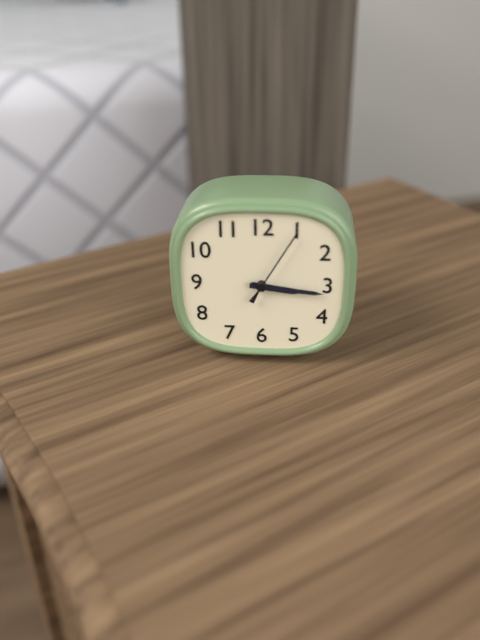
3.16.05
